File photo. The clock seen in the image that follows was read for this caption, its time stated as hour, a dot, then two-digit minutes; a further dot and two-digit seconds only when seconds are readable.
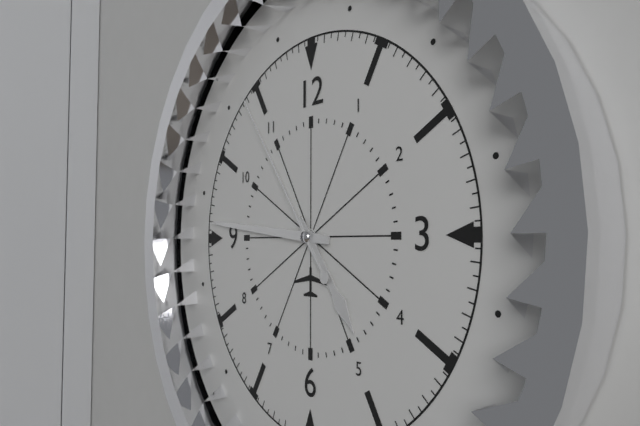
4.46.54
